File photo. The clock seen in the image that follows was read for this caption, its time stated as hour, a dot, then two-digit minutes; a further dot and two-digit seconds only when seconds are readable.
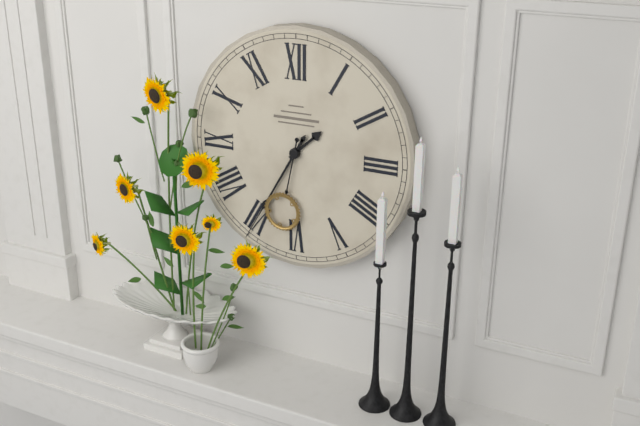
1.35.32
